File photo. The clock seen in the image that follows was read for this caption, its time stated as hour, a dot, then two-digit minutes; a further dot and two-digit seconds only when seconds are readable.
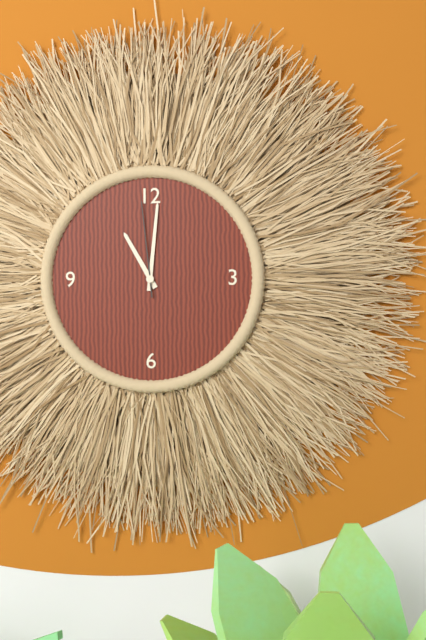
11.01.59
